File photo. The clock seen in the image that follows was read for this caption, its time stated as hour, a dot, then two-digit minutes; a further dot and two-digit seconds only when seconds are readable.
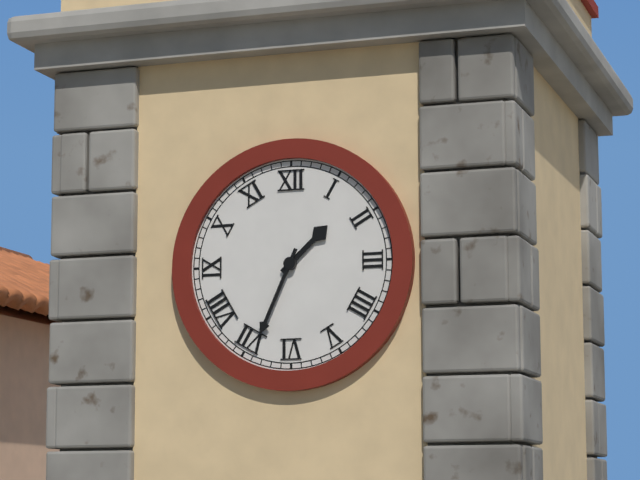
1.34
